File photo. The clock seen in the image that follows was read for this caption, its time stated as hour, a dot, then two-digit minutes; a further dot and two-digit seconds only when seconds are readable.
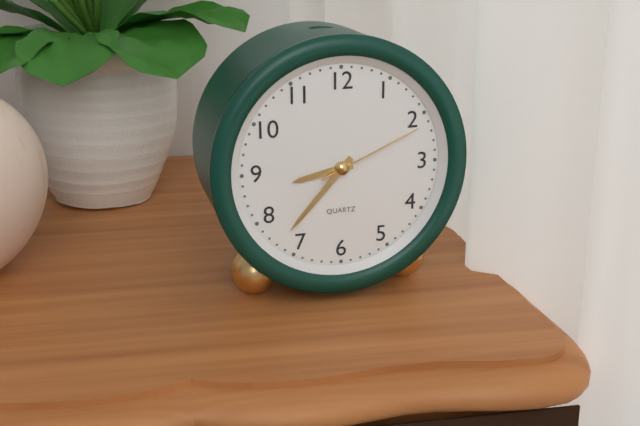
8.37.11
